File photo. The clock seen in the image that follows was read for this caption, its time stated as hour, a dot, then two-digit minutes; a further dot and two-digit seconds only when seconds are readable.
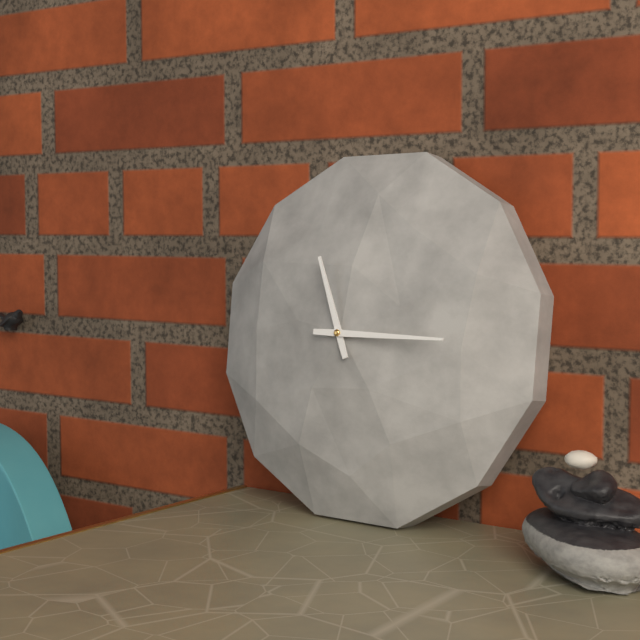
11.15
